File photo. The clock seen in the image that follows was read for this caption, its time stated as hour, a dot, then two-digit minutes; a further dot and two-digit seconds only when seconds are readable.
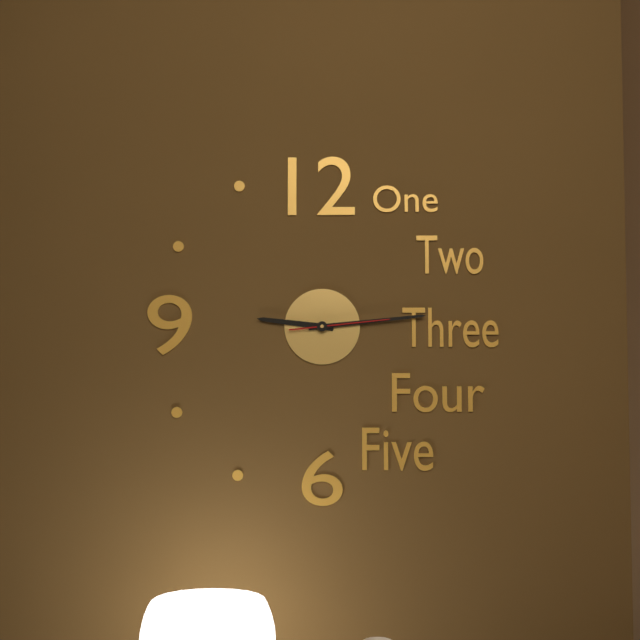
9.14.14
